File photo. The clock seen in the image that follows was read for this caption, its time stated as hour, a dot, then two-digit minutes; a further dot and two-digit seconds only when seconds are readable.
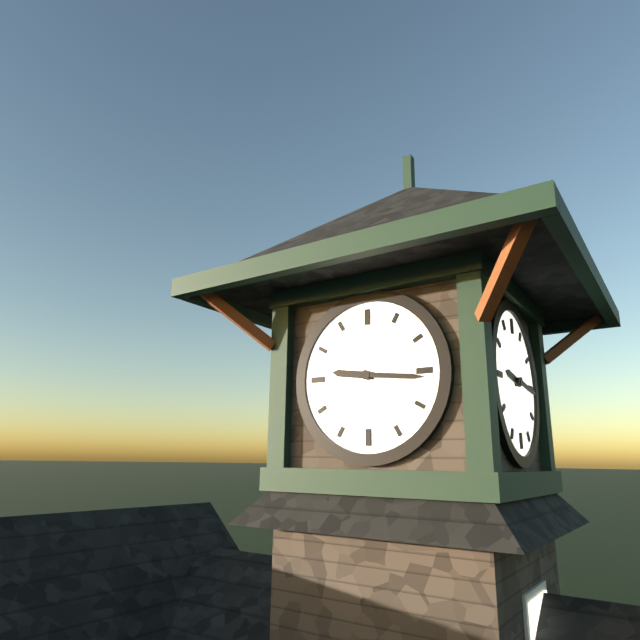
9.16
